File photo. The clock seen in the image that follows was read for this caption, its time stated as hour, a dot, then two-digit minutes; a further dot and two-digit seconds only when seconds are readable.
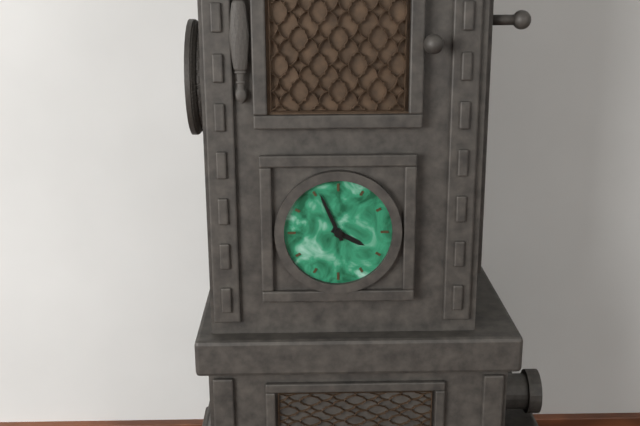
3.56
